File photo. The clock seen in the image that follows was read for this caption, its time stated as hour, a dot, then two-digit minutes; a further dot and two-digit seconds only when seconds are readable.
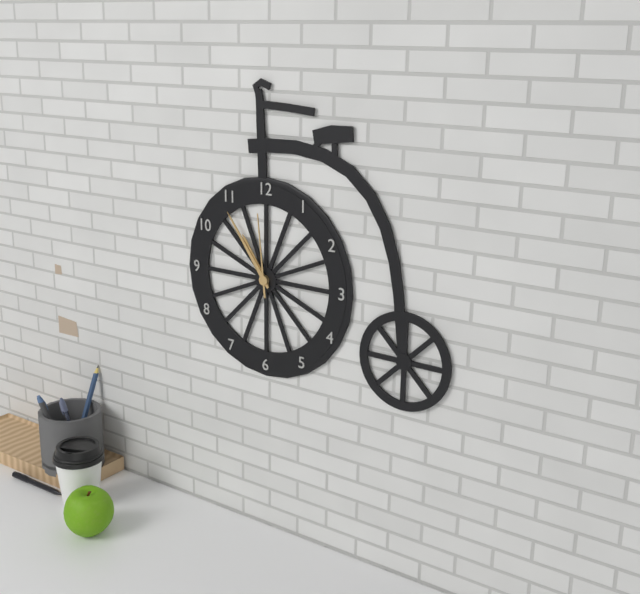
10.54.59
